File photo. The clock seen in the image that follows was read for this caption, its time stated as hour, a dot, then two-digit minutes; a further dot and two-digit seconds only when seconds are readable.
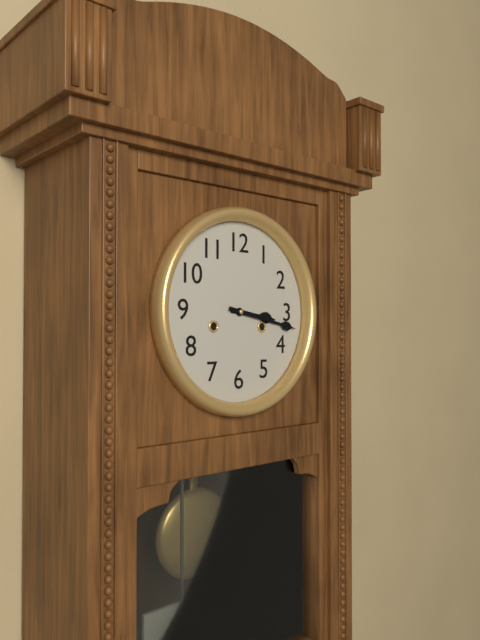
3.17
